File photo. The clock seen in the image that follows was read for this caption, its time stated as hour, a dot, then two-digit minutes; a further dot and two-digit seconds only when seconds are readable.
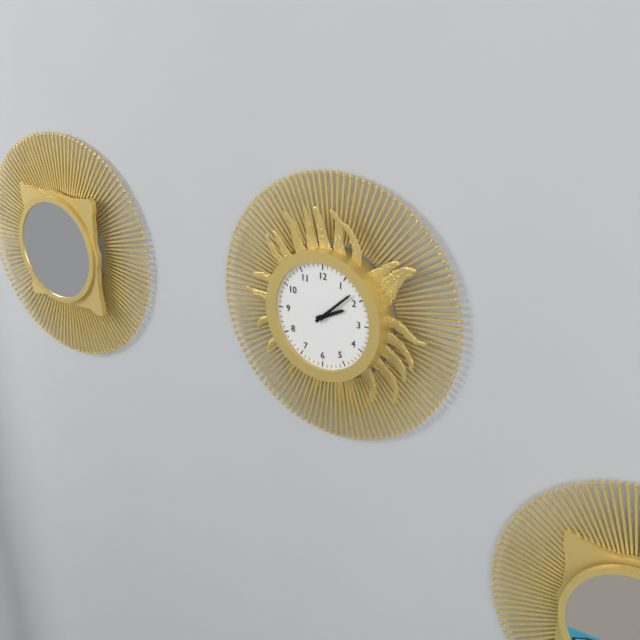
2.08
